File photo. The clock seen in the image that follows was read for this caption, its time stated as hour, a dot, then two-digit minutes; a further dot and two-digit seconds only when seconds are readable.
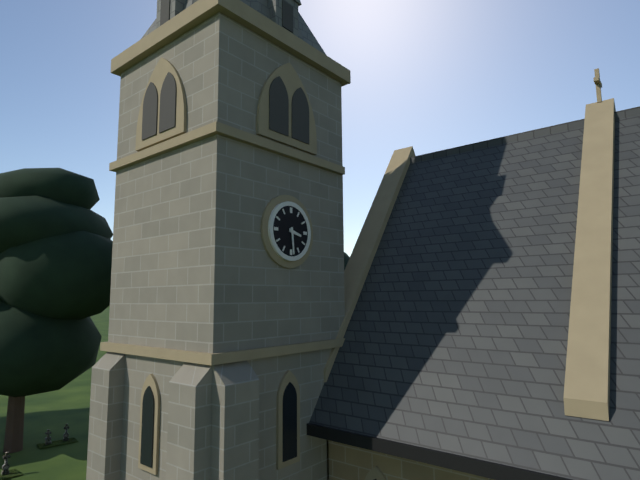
3.29
